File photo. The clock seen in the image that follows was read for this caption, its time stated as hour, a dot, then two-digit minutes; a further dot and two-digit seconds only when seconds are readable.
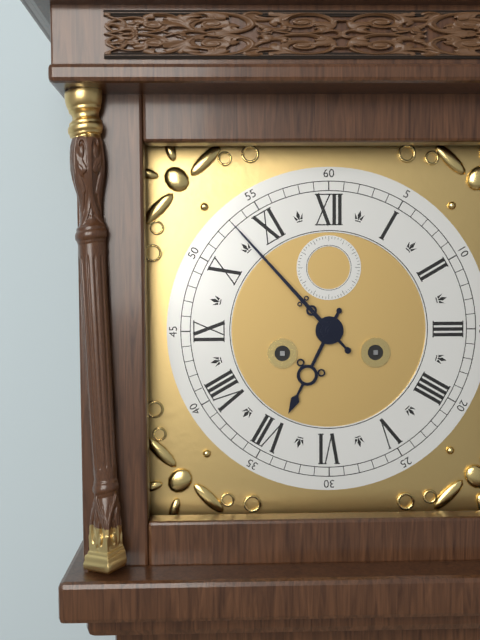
6.53
